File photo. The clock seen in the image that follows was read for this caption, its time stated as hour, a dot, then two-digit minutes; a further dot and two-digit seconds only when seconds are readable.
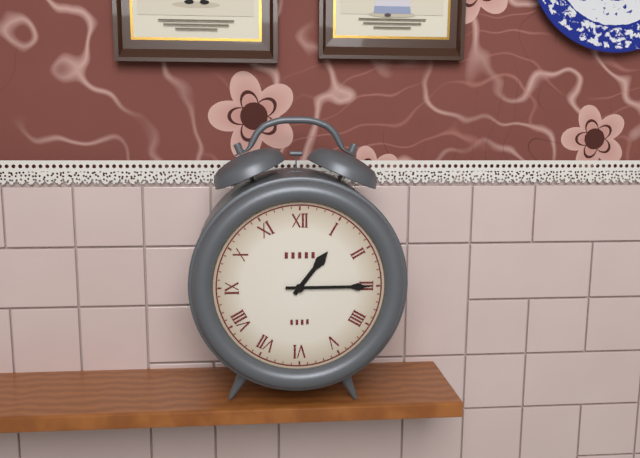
1.15
